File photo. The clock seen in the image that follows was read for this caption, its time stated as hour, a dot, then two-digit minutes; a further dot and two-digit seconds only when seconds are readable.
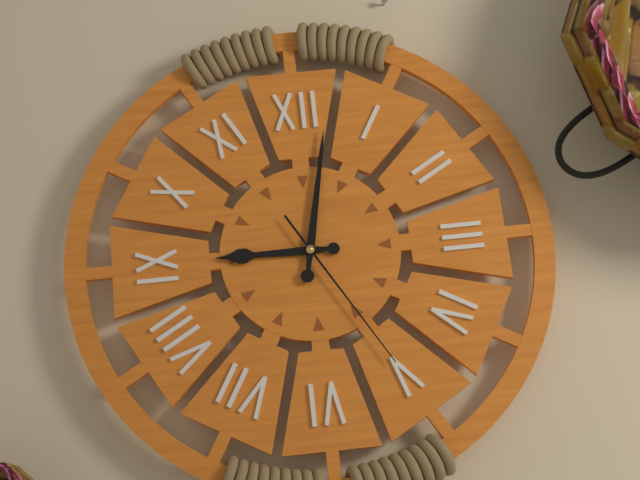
9.02.25
